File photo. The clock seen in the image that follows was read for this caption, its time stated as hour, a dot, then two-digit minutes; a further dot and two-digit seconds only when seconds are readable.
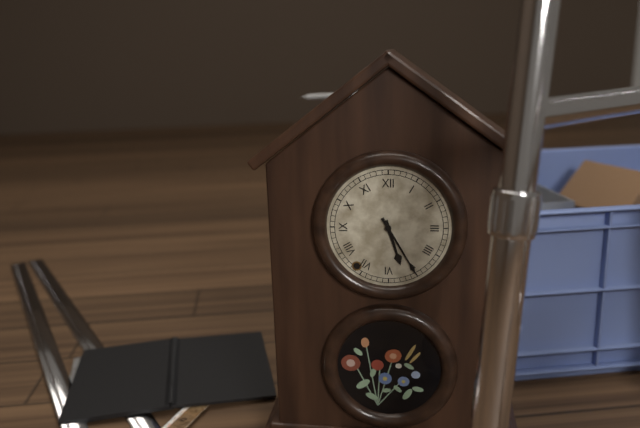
5.25
